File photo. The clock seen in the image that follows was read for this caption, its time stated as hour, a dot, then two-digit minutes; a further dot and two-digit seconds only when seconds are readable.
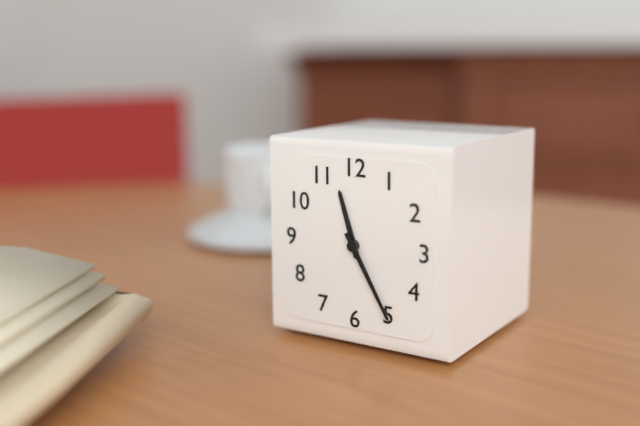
11.25
